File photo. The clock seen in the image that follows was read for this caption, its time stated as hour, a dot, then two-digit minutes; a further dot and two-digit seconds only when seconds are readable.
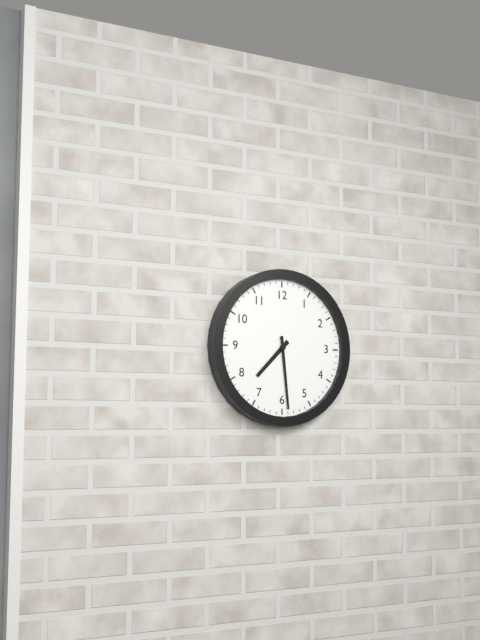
7.29
